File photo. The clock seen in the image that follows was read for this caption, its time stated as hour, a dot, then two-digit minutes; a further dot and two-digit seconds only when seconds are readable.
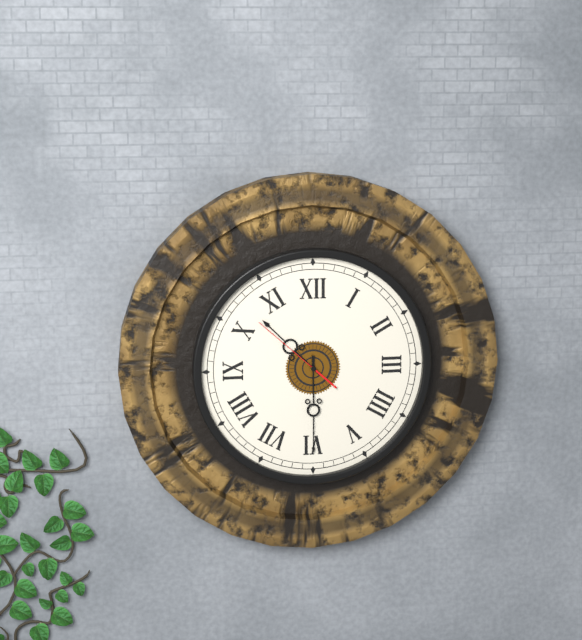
10.30.52
